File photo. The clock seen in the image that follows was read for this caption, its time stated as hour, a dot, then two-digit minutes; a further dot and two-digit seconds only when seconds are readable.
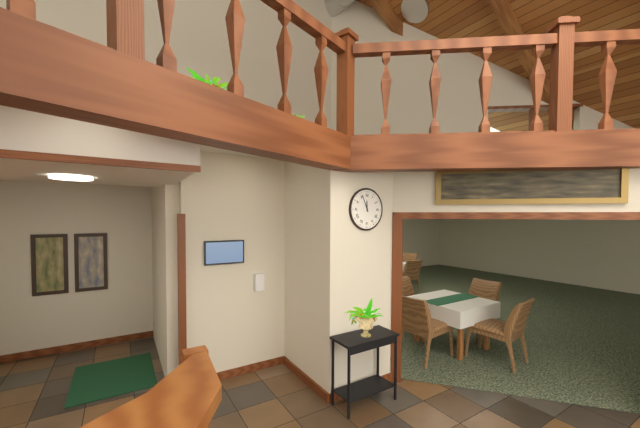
11.56
